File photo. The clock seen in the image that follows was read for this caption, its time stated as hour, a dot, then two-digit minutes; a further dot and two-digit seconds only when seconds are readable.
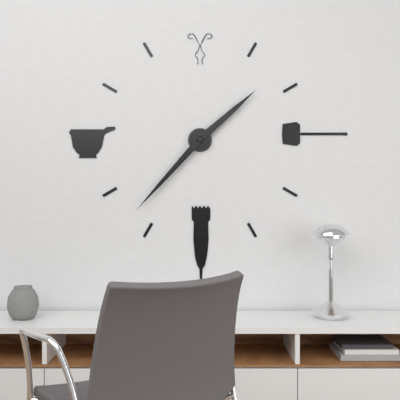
1.37
